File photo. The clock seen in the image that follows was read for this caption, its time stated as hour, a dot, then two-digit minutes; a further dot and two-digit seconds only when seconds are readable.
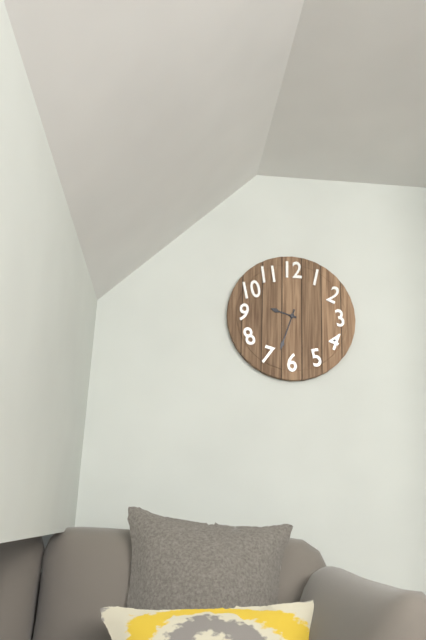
9.33
